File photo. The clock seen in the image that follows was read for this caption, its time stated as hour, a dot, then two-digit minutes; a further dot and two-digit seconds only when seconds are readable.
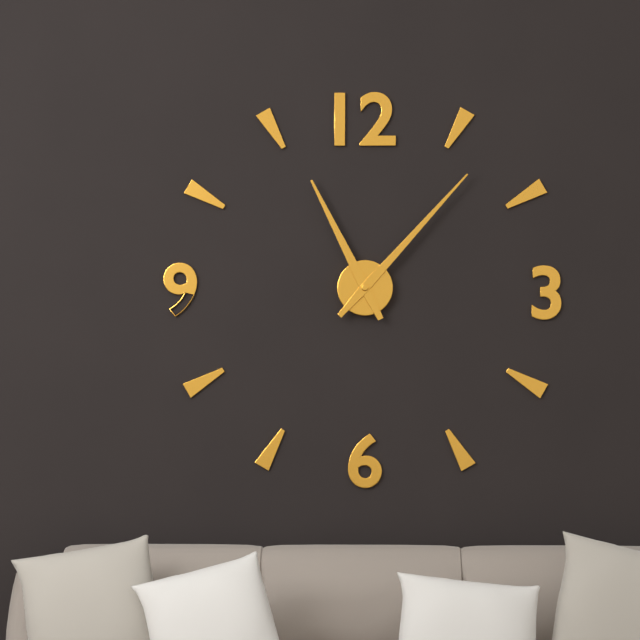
11.07
